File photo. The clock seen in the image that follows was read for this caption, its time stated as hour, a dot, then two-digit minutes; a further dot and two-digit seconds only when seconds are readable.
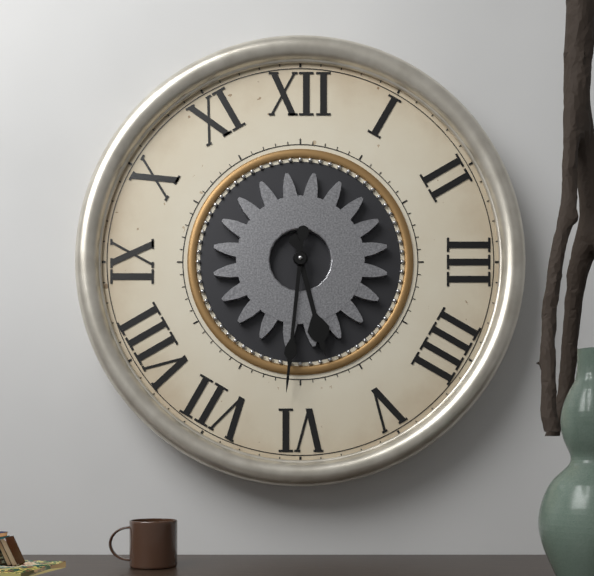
5.31
